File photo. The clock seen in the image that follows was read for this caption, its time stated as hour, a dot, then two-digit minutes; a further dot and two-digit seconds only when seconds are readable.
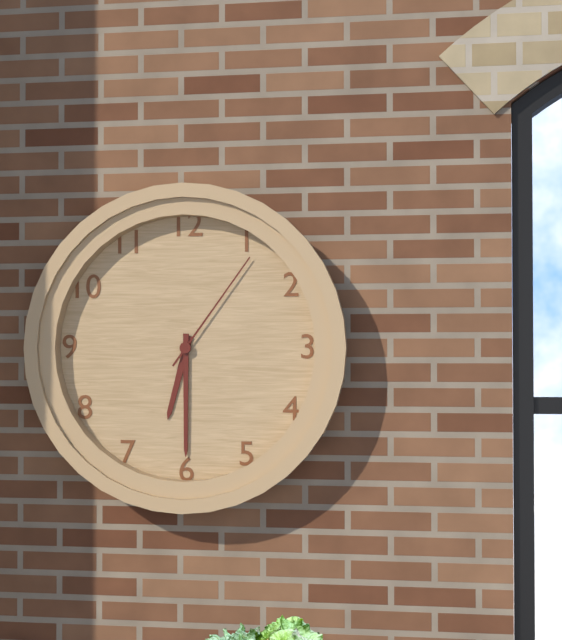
6.30.06
